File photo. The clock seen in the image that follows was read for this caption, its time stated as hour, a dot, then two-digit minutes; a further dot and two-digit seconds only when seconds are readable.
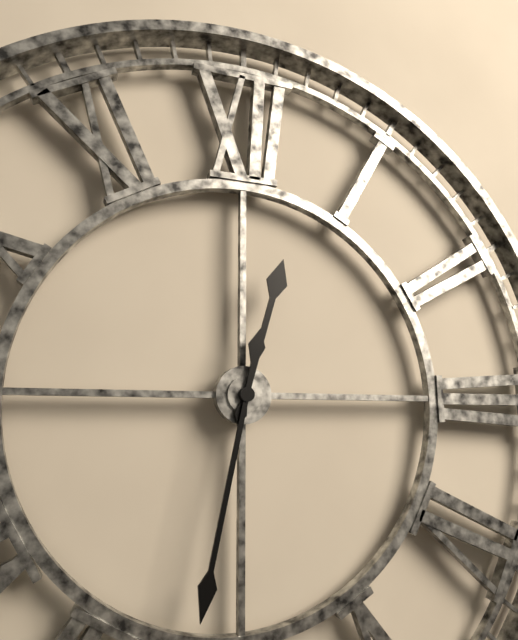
12.32
